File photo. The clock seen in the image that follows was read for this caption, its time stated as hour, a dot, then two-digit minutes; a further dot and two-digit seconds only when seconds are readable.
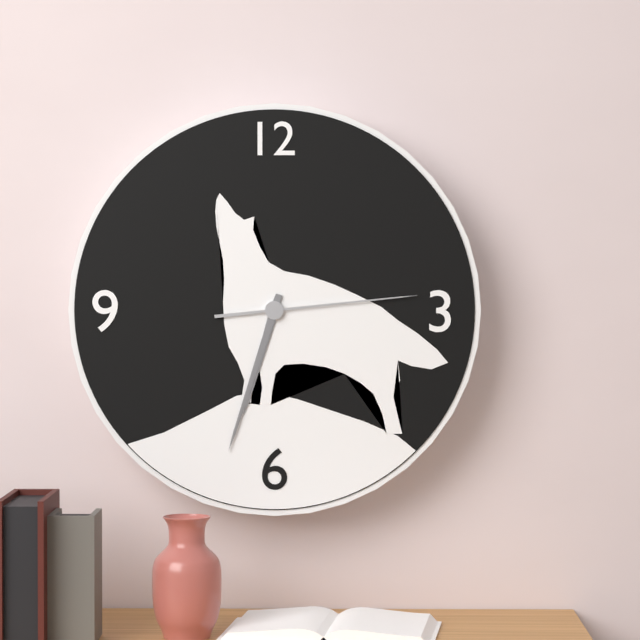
6.33.14
